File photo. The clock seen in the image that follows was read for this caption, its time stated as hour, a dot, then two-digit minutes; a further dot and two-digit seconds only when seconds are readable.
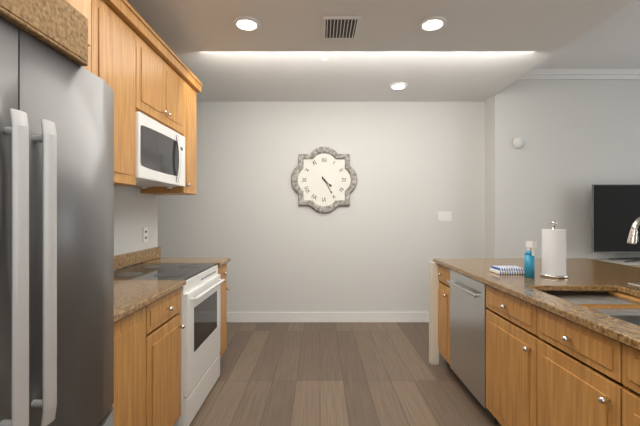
4.25
